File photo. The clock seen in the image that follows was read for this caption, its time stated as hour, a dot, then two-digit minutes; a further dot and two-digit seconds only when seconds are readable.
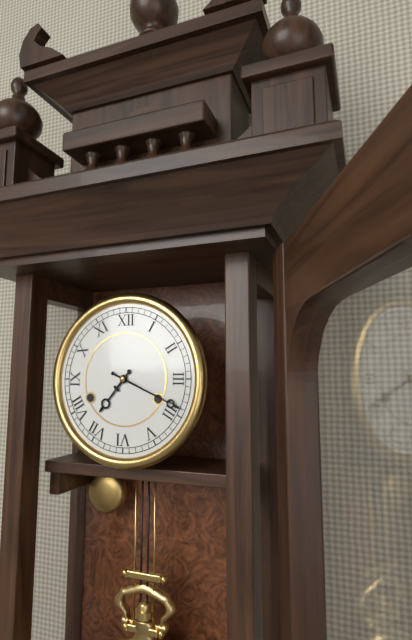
7.19
